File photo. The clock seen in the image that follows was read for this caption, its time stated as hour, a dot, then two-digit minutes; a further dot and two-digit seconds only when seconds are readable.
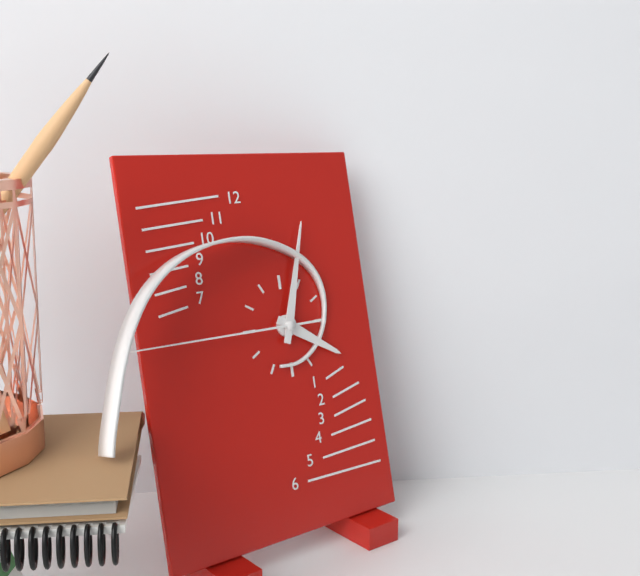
4.03.45
